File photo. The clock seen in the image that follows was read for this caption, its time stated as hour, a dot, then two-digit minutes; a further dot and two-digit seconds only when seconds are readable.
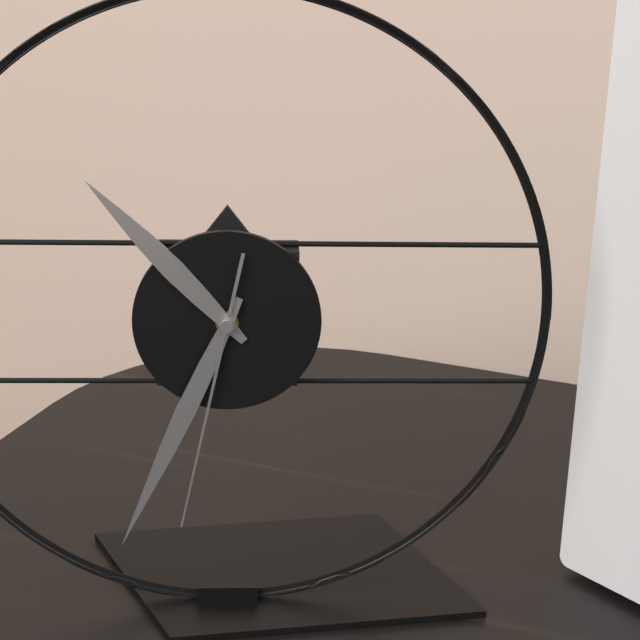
10.34.32
